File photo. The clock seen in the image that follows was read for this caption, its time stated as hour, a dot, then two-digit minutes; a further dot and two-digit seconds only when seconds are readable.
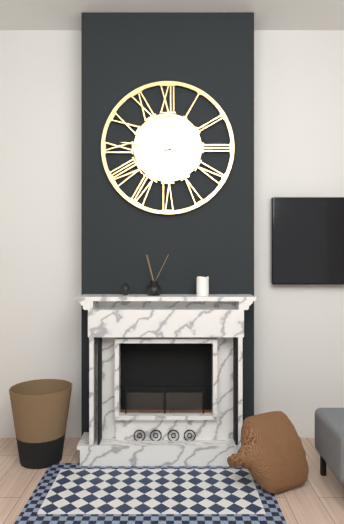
1.46
